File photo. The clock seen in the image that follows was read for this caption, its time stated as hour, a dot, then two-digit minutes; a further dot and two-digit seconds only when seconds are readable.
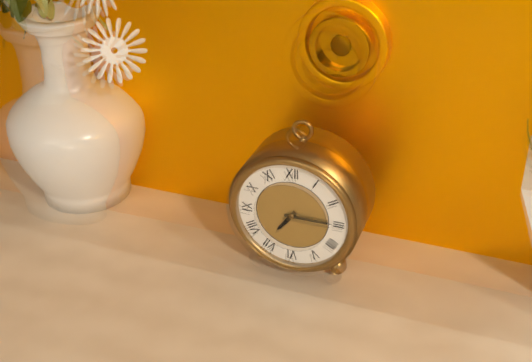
7.15
